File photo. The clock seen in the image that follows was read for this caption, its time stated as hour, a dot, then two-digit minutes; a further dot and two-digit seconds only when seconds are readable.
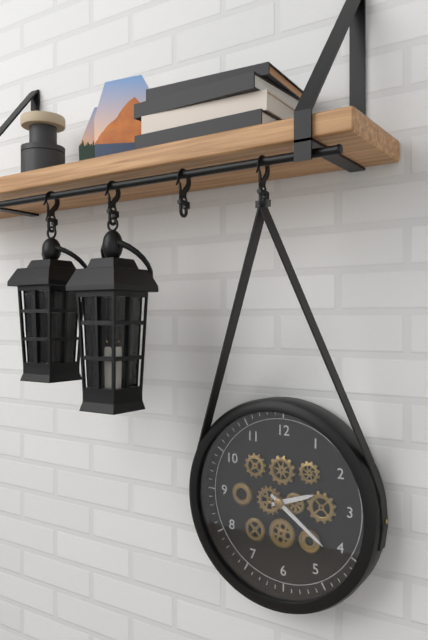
2.21
